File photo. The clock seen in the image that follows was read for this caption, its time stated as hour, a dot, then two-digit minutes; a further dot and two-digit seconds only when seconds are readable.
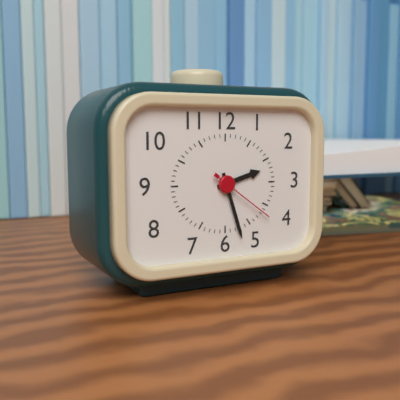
2.27.21
